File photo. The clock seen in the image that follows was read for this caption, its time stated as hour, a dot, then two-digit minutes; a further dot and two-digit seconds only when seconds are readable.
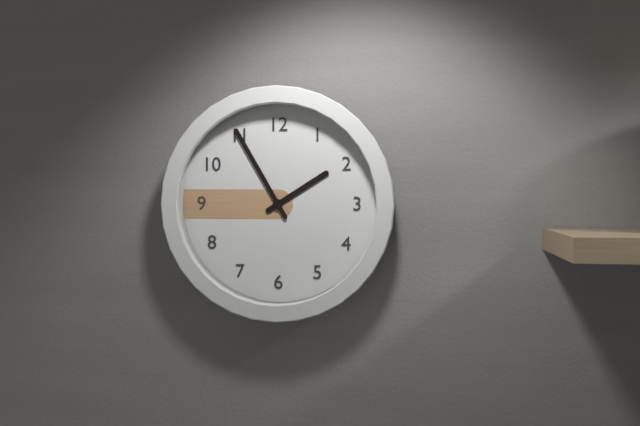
1.55
